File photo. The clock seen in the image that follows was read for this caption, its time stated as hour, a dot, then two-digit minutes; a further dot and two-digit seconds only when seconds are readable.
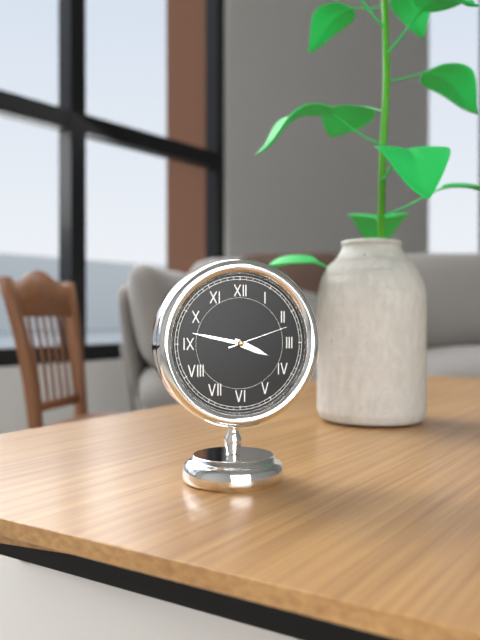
3.47.12
